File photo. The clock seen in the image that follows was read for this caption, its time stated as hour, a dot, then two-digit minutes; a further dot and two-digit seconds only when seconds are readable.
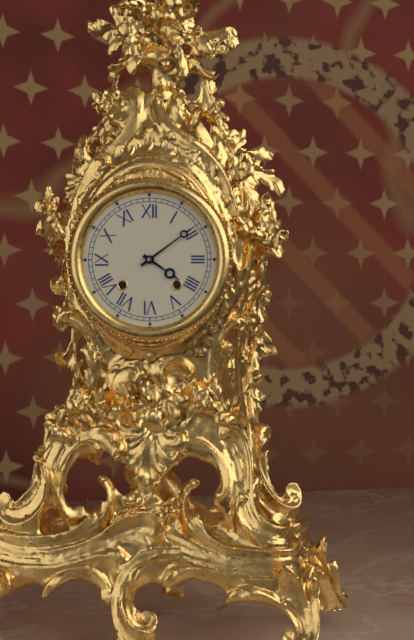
4.09
